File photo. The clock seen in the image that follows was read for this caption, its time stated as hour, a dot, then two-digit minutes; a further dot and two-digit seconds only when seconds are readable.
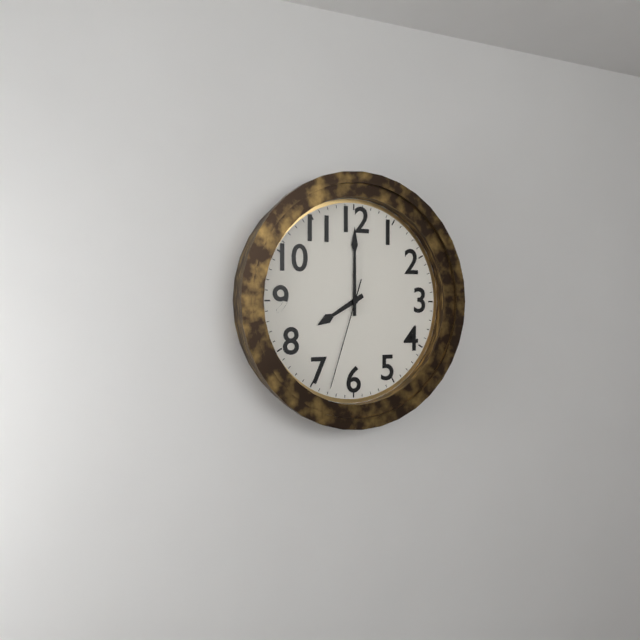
8.00.33
